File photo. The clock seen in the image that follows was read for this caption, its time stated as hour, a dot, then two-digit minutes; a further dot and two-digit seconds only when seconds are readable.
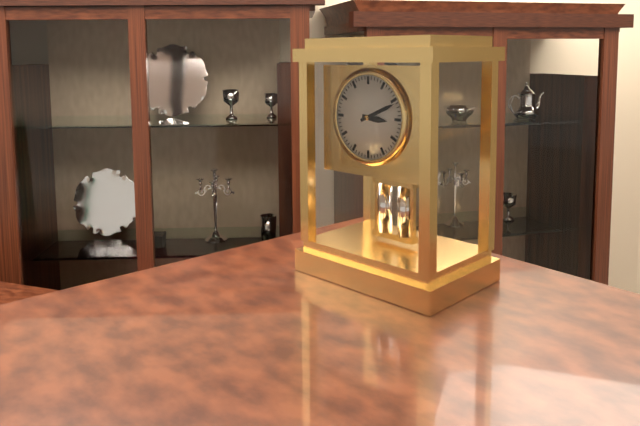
3.11
